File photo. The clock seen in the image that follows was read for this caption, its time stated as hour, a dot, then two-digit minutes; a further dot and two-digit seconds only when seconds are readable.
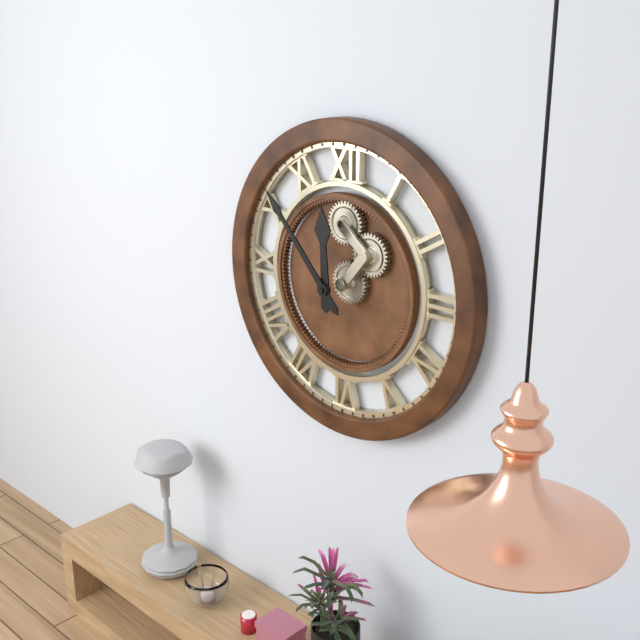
11.53
